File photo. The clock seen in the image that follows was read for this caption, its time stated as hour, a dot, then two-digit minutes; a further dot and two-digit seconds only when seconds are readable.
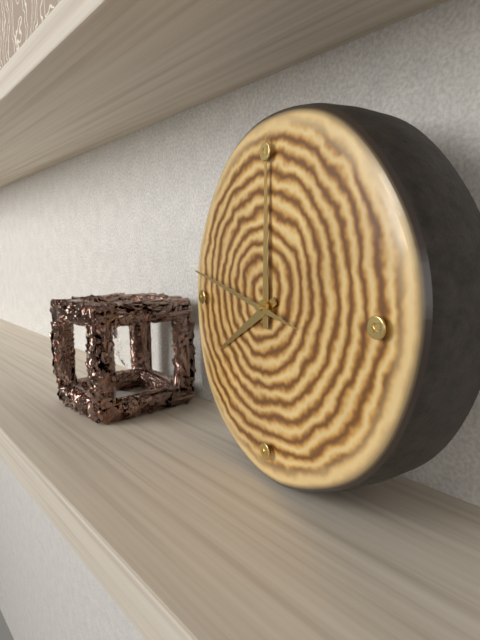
8.00.47
